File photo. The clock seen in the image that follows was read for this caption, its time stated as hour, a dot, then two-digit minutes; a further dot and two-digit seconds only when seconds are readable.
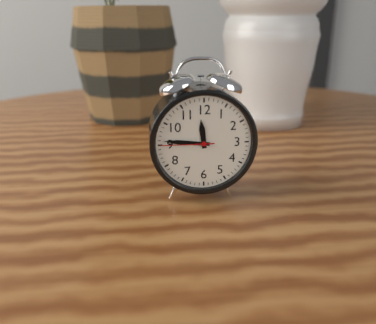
11.46.45
